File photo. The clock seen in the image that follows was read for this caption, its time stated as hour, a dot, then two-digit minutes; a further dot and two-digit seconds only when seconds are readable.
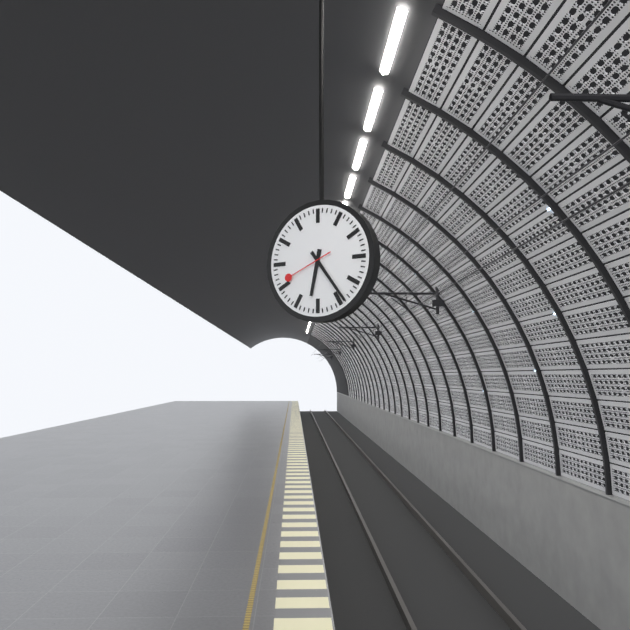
6.24
